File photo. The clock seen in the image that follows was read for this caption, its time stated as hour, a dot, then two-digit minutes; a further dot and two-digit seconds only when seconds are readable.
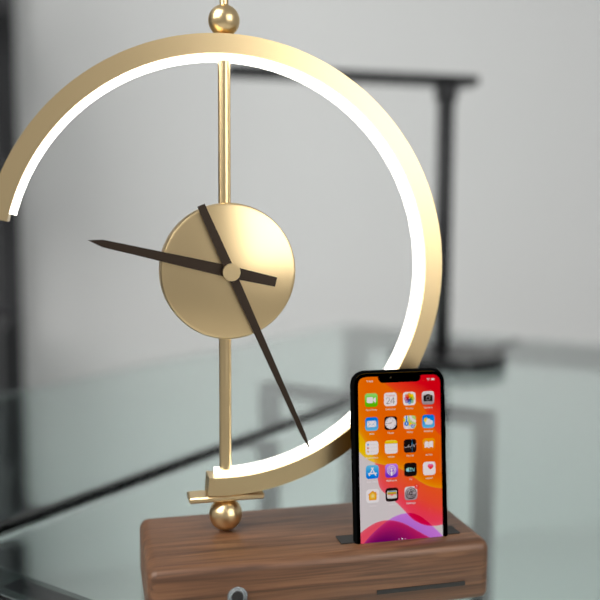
9.26
